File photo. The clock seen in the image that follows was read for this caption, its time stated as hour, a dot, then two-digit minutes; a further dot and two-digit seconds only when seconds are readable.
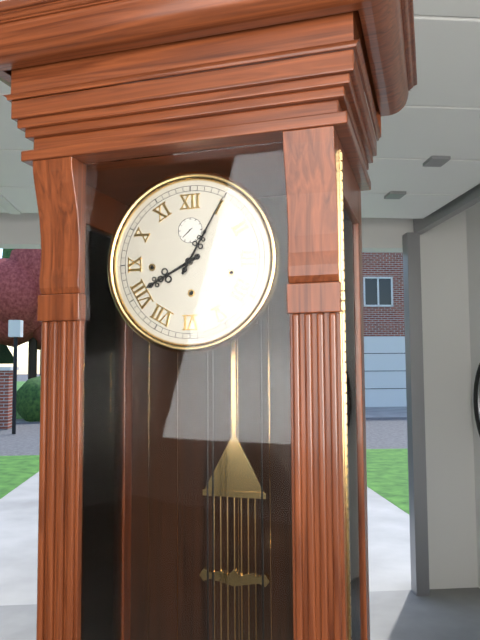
8.05
